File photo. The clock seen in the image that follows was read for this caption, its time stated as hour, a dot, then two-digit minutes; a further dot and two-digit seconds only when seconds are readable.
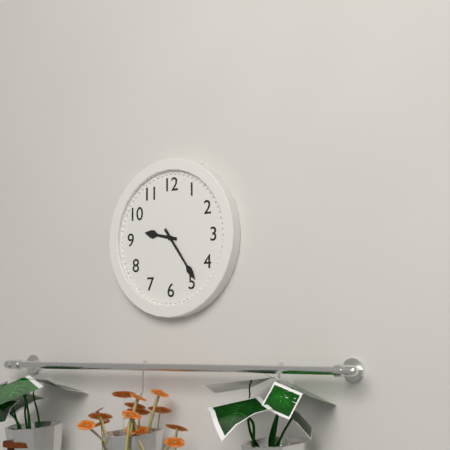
9.24
